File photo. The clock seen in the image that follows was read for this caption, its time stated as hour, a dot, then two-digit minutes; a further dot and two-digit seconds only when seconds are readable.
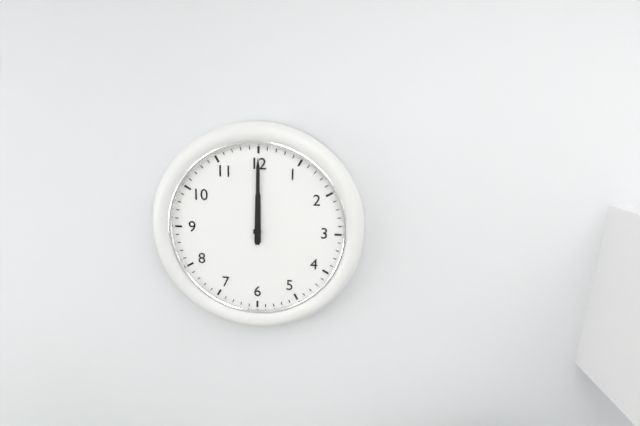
12.00
